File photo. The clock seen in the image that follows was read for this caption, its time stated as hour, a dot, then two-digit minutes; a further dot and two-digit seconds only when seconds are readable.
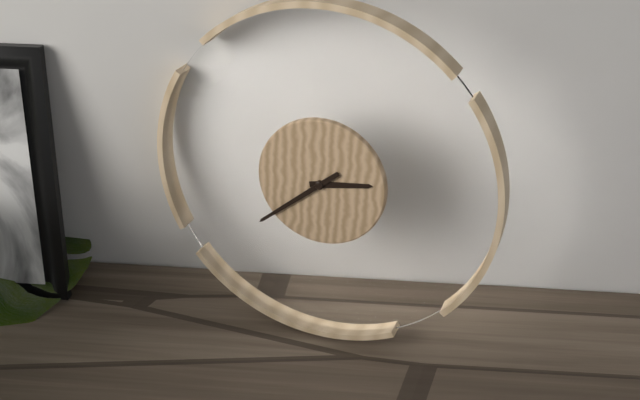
2.38
